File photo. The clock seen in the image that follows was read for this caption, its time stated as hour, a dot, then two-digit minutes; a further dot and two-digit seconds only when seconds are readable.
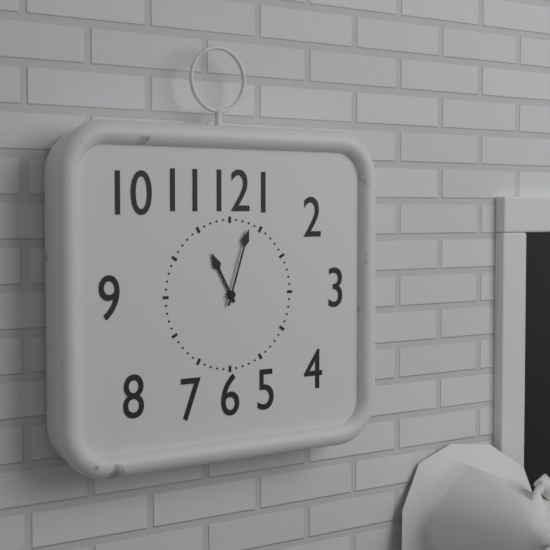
11.03
